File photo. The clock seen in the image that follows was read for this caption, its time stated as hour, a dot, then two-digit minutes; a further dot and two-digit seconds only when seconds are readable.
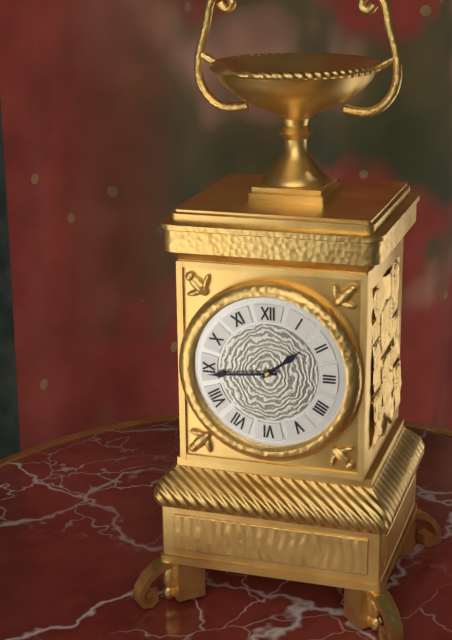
1.44
